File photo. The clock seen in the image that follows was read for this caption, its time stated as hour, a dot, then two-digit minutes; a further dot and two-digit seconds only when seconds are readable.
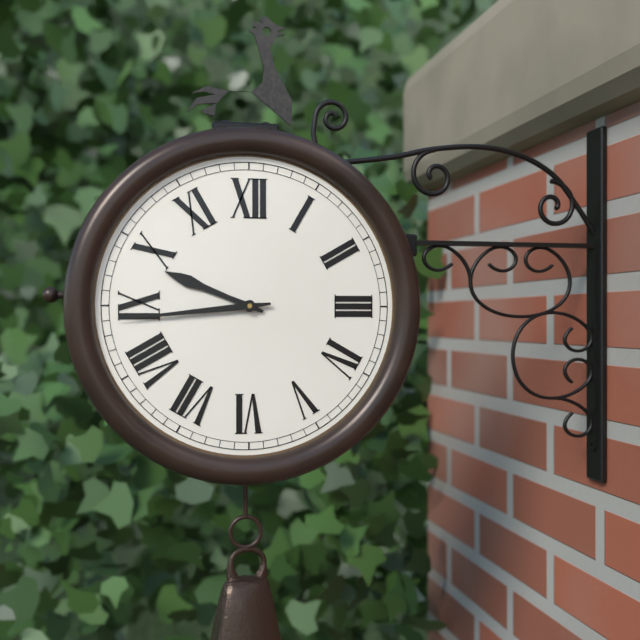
9.44
